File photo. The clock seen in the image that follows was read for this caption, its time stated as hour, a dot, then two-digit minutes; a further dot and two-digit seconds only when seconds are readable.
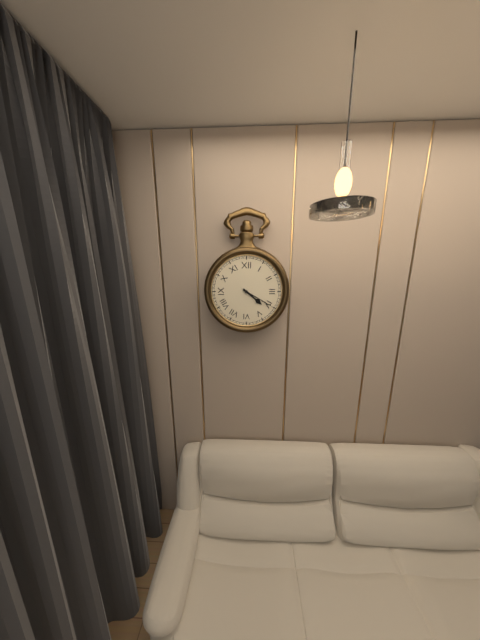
4.20
